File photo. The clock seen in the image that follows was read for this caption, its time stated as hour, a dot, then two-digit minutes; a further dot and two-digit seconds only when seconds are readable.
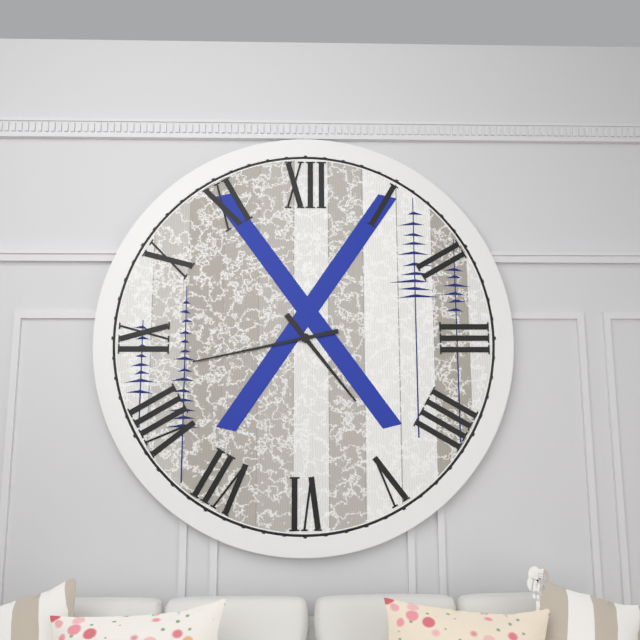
4.43
